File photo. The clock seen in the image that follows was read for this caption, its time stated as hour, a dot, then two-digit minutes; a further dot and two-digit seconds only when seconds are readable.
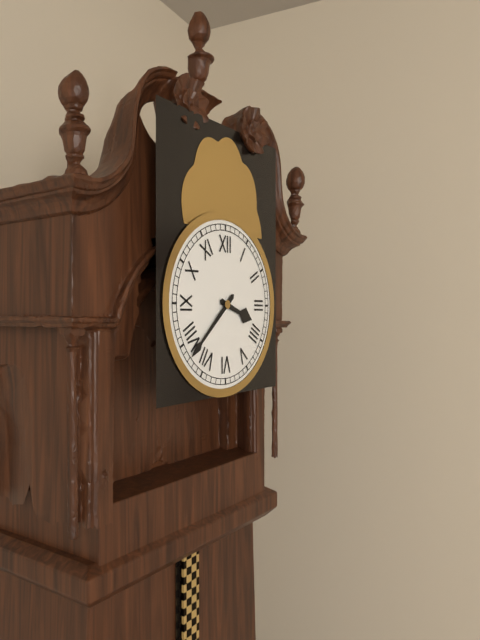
3.38
